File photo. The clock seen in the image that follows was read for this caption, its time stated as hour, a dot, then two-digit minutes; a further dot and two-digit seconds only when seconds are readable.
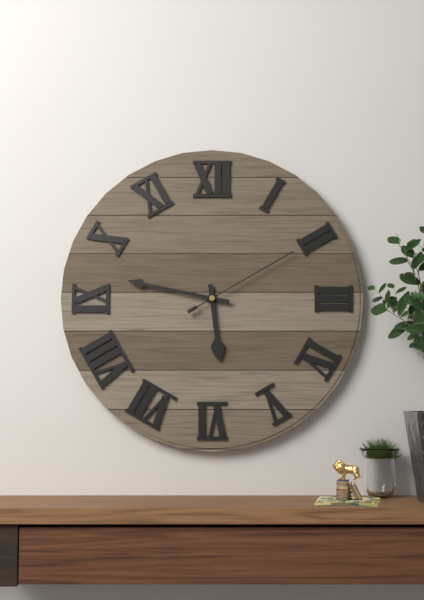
5.47.10
